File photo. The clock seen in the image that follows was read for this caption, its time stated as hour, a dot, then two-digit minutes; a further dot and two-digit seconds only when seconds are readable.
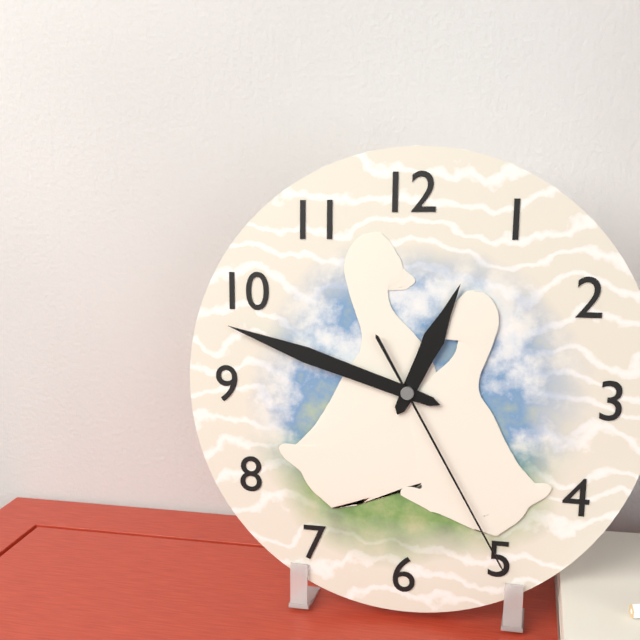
12.48.25
